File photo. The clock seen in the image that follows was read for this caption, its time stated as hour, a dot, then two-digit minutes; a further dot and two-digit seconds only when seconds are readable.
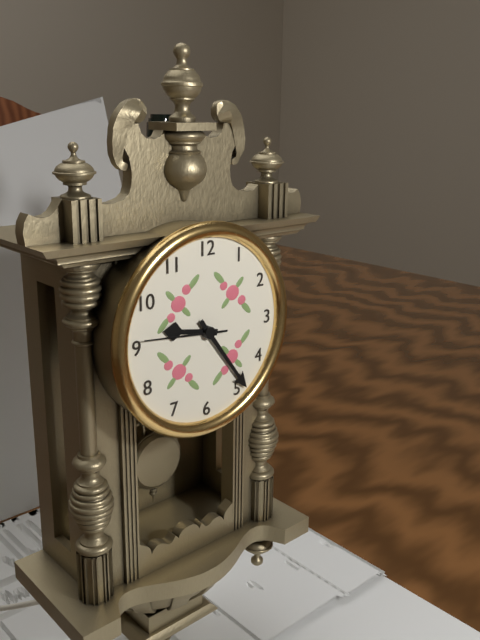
9.24.46
